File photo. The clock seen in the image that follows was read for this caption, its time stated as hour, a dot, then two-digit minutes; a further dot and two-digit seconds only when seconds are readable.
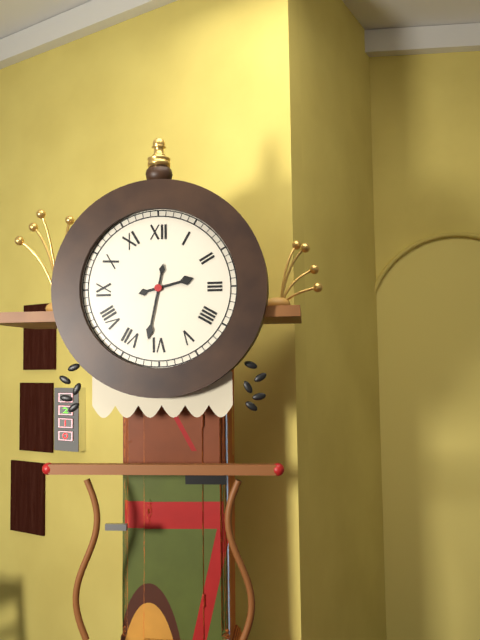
2.32
